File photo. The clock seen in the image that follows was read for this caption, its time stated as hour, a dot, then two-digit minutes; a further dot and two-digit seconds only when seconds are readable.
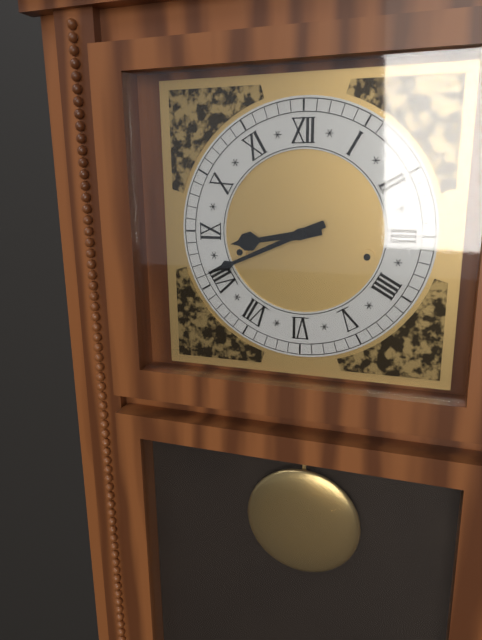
8.41
